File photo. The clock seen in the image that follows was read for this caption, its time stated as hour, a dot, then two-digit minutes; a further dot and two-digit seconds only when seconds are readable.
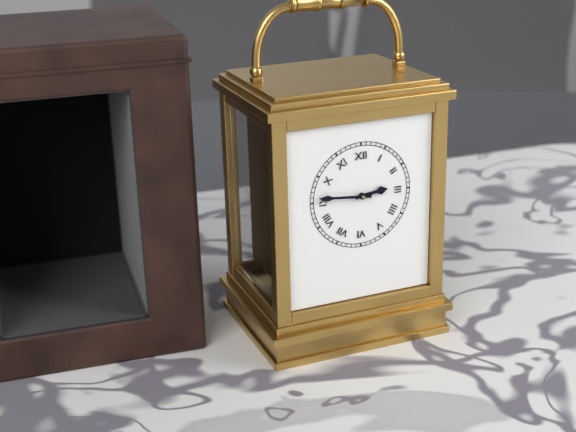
2.46
